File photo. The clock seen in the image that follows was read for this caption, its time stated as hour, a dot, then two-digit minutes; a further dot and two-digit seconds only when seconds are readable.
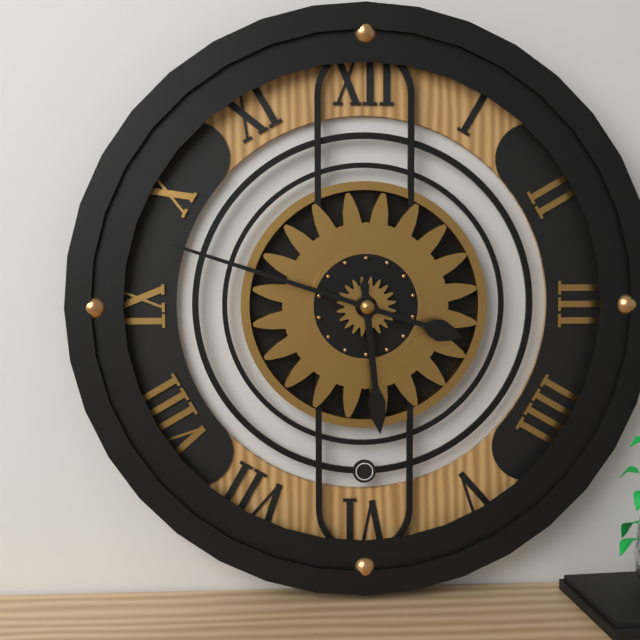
5.48
